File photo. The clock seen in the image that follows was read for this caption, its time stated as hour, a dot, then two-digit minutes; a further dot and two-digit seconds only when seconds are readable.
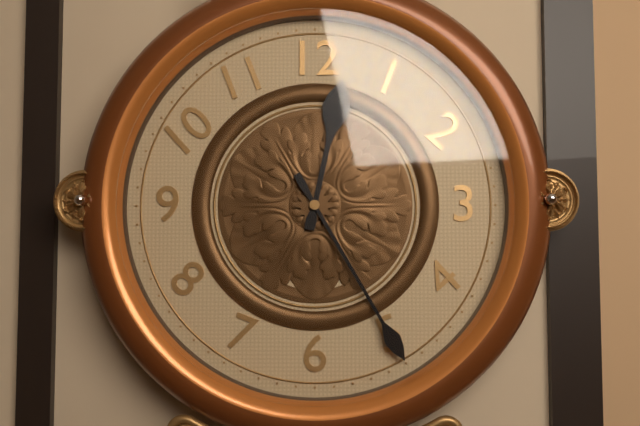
12.25
